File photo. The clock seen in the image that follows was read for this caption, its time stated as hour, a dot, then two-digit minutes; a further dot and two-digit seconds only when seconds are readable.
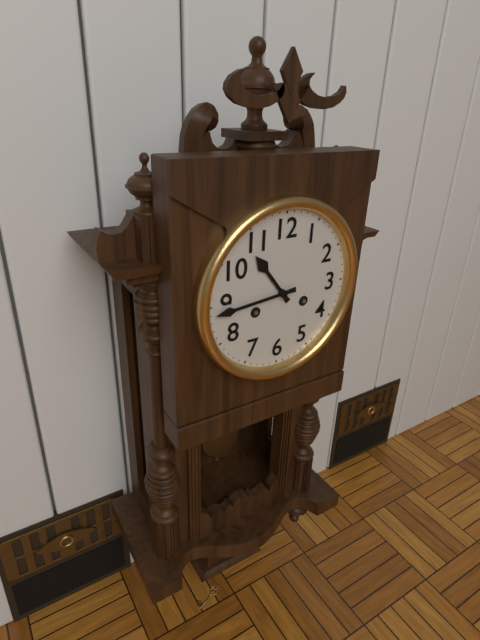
10.44
